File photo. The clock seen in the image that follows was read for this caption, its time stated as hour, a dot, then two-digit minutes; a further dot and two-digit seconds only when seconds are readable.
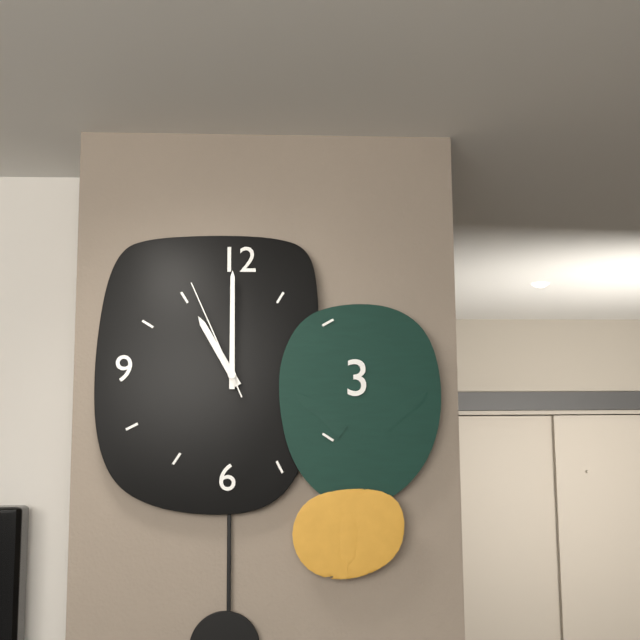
11.00.56
